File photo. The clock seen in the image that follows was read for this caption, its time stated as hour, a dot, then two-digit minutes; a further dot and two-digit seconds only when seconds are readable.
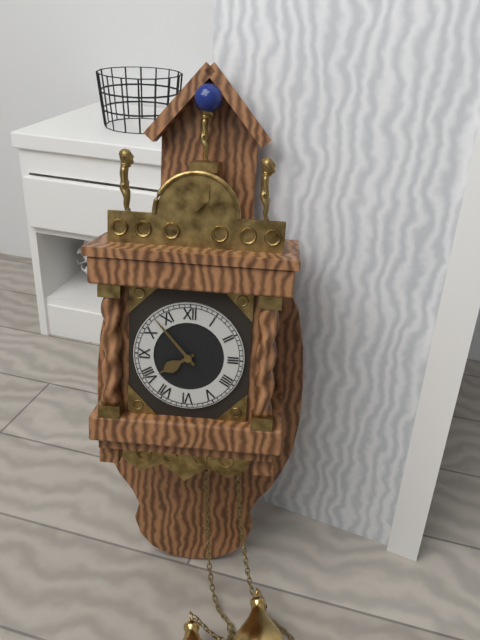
7.53
